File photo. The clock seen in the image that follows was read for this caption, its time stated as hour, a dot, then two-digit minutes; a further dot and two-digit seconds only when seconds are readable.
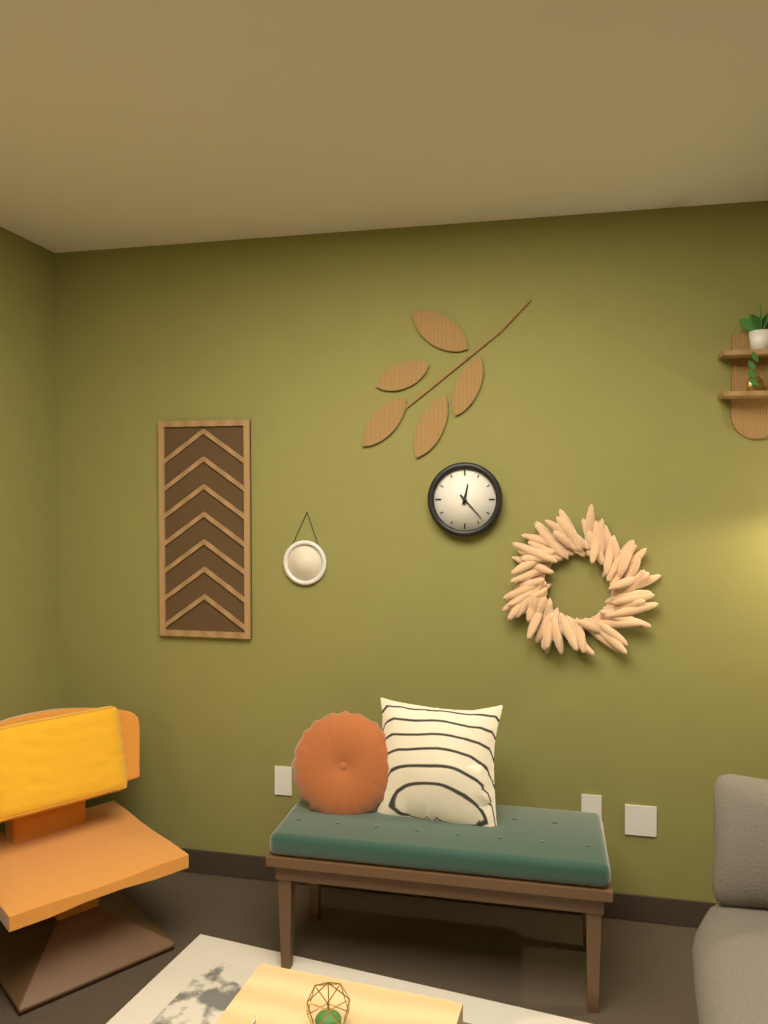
12.23
